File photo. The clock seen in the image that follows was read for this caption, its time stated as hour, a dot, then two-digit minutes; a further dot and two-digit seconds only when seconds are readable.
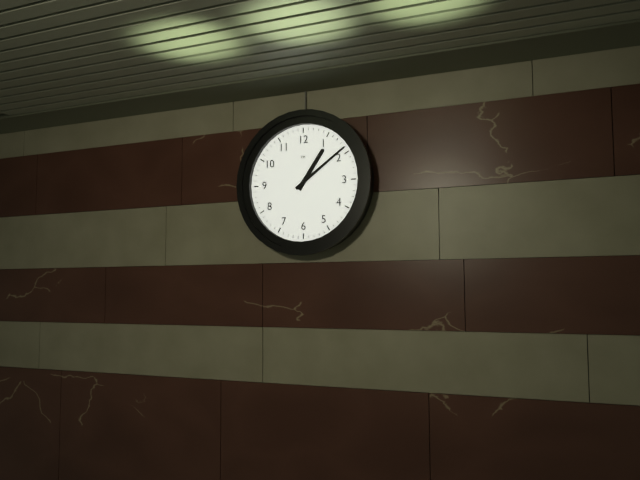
1.09
